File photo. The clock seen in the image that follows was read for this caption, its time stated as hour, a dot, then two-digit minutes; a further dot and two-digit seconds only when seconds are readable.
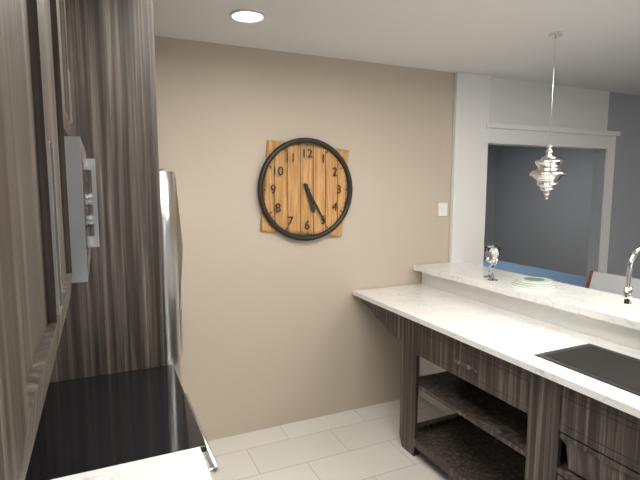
5.25
